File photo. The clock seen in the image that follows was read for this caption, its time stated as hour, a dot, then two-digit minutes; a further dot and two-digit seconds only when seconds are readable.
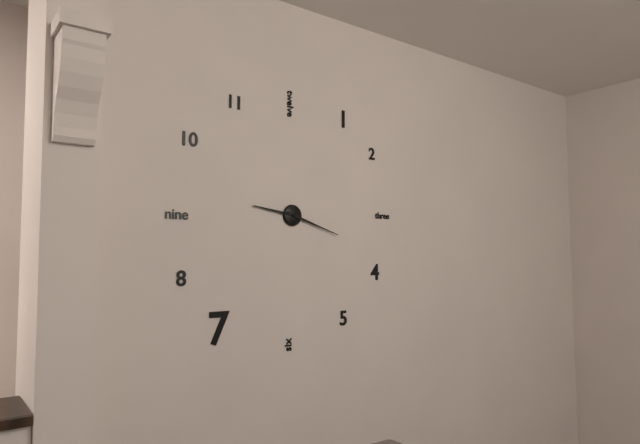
9.18
